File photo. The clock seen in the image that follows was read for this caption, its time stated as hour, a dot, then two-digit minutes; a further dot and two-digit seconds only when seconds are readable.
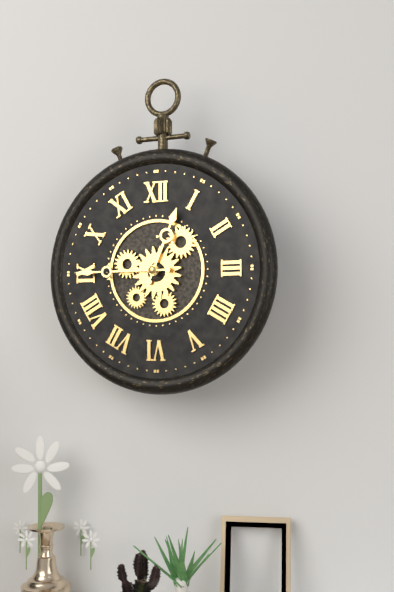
12.45
